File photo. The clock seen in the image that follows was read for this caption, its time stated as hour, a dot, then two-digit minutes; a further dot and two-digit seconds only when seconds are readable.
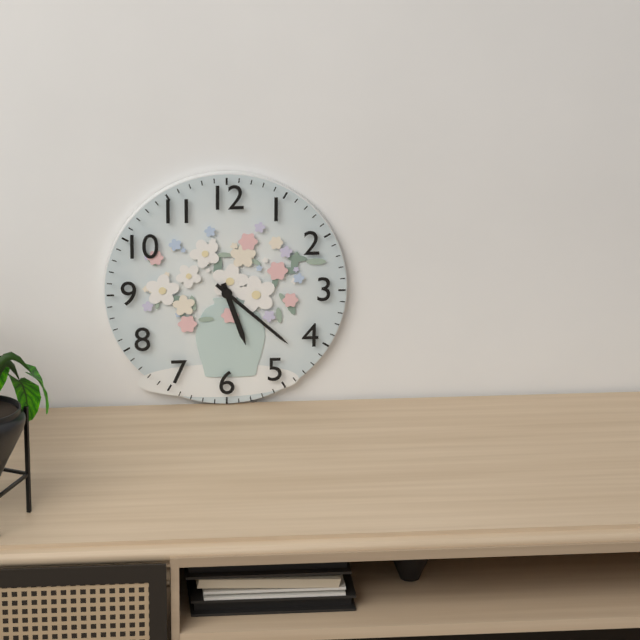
5.22
